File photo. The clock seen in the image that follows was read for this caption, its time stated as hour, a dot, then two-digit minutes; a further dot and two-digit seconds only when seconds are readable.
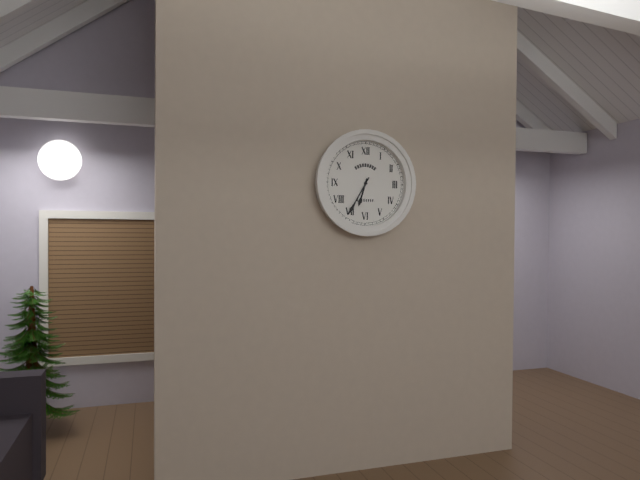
6.35
